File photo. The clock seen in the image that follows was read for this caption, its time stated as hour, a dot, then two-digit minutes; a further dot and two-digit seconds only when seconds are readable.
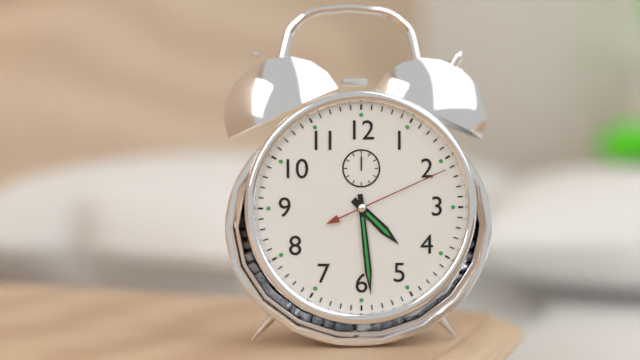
4.29.11
